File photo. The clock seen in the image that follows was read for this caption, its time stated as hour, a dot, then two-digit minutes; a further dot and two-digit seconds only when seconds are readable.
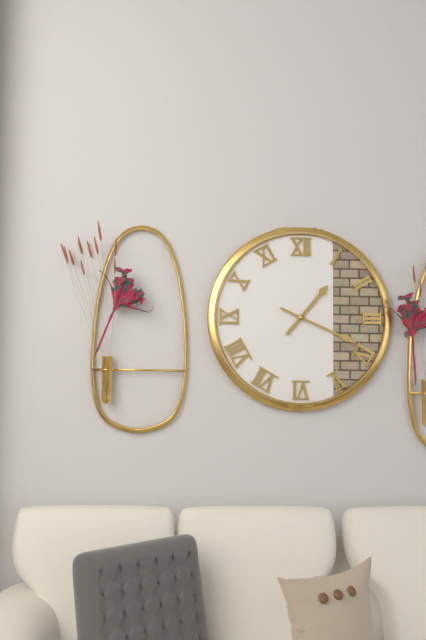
1.19
